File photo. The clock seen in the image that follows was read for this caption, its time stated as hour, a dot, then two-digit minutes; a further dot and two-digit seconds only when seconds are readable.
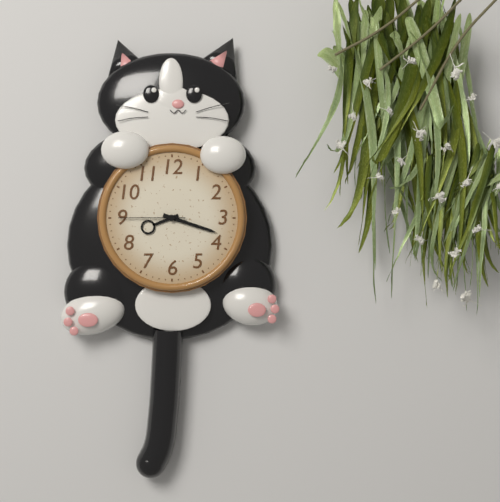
8.18.45
